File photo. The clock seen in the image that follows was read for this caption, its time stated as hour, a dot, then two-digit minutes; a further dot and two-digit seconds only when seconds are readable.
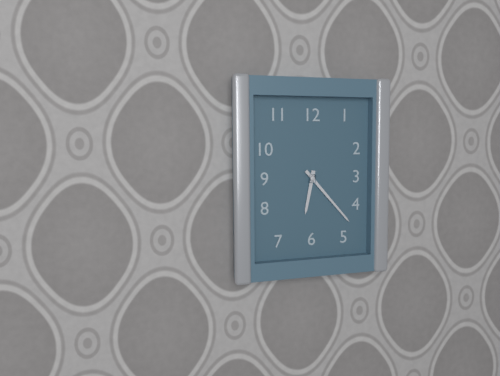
6.23
